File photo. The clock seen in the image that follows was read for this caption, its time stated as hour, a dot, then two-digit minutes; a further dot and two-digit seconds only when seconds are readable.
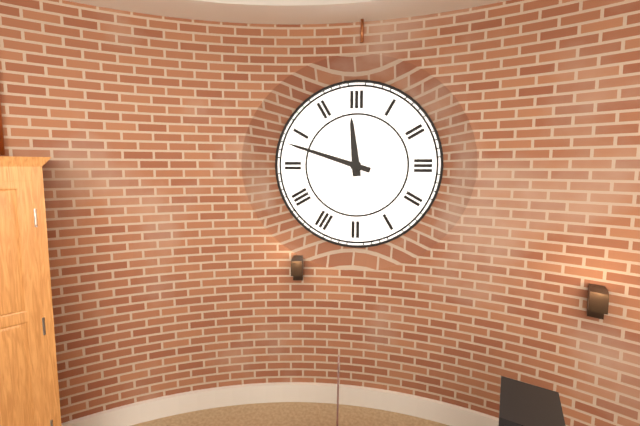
11.48
